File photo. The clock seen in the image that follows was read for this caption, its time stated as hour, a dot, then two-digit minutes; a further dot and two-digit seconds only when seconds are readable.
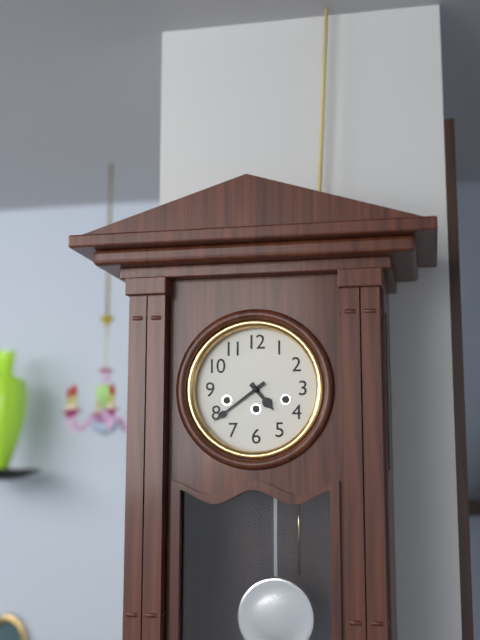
4.39
